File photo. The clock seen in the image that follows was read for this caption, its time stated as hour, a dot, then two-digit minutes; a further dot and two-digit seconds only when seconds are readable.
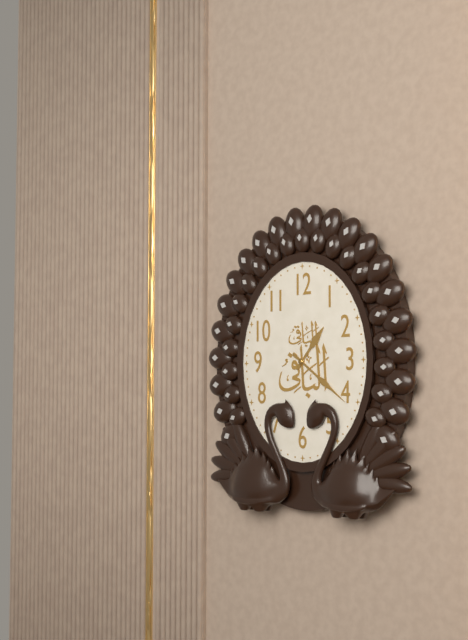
1.21
